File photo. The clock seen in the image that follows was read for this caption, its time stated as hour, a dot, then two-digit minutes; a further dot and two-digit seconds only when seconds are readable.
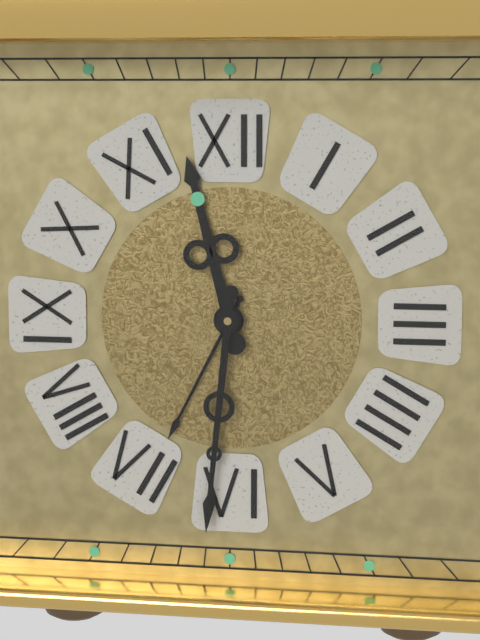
11.31
